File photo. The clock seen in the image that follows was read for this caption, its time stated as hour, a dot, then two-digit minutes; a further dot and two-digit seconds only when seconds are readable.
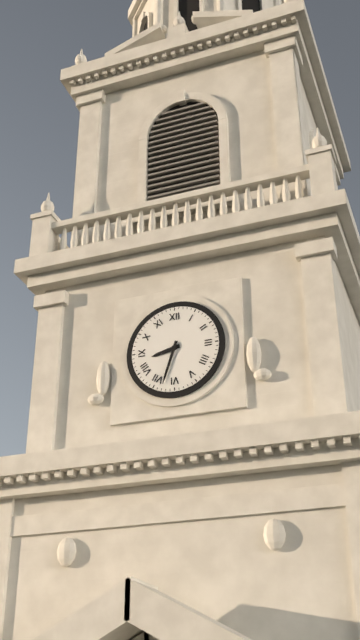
8.33
